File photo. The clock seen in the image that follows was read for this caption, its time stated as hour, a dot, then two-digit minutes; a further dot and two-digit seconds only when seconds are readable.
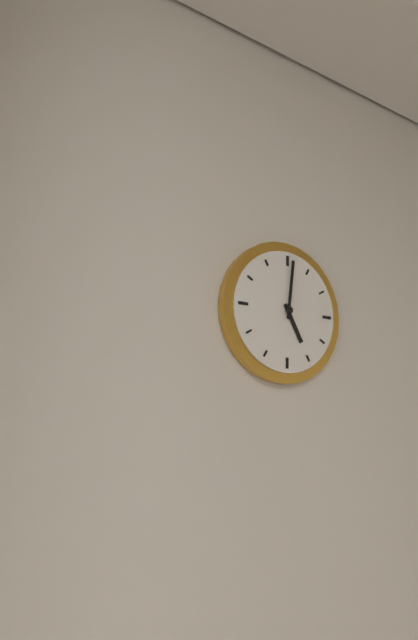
5.01
